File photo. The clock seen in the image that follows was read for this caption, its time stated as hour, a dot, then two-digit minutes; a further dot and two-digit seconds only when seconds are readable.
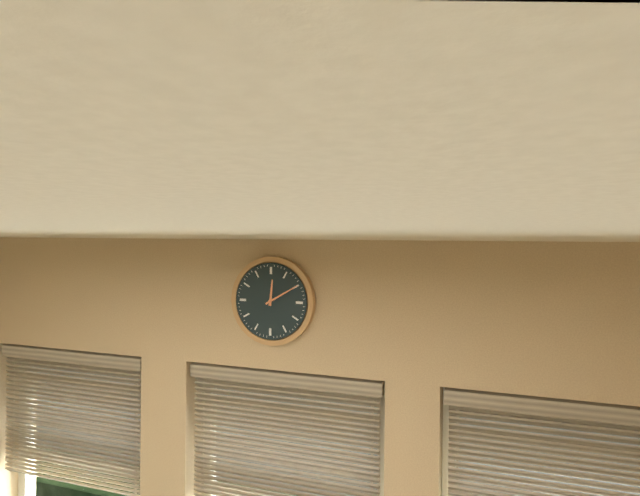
12.10
